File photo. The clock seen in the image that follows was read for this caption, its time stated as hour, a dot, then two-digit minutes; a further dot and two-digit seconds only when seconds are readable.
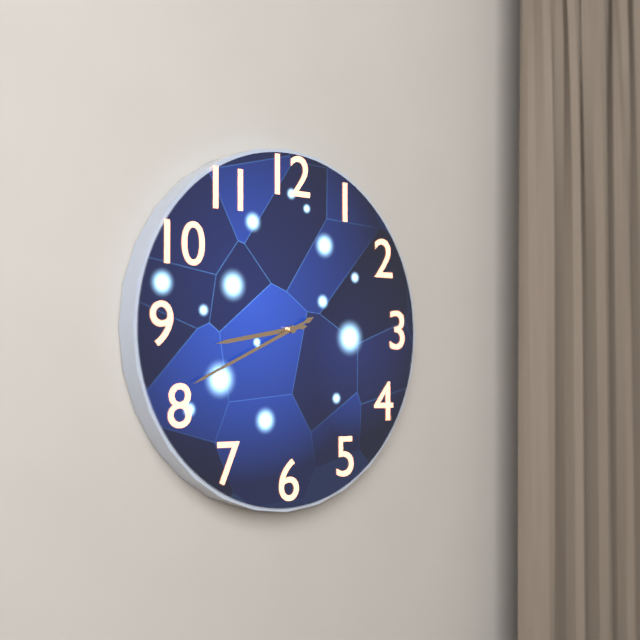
8.41
